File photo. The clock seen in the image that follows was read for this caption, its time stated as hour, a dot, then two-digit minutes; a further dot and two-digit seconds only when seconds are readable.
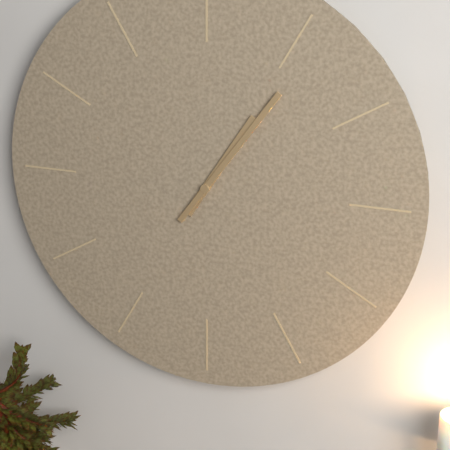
1.06
